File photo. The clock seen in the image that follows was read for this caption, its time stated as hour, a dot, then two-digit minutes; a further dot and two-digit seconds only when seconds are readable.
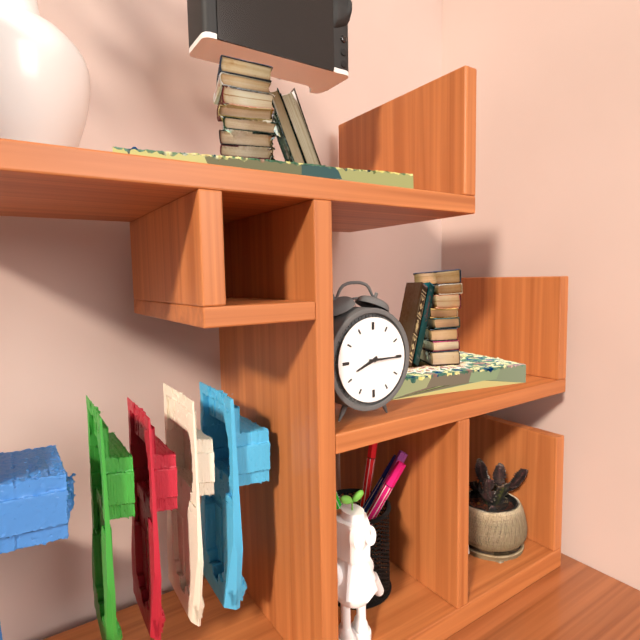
8.15
